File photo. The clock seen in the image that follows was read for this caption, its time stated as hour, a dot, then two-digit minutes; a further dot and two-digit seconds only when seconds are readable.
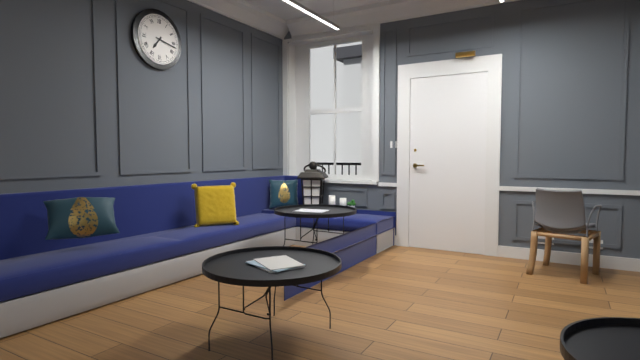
7.17
